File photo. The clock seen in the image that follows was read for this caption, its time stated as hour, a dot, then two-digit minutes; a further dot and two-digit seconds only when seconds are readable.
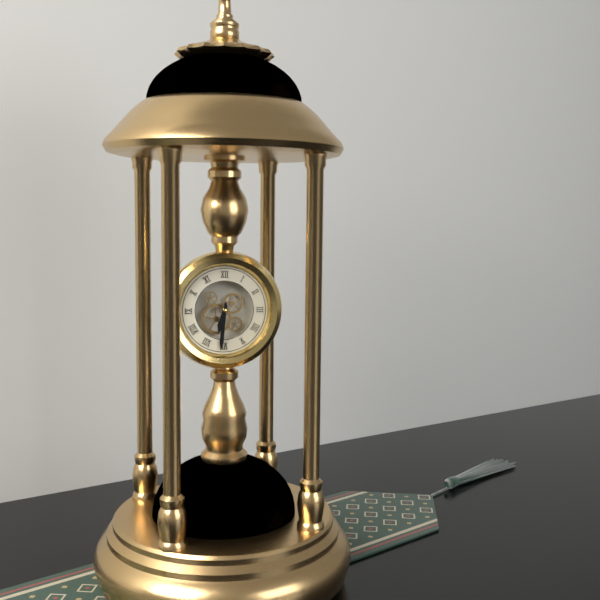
6.31
